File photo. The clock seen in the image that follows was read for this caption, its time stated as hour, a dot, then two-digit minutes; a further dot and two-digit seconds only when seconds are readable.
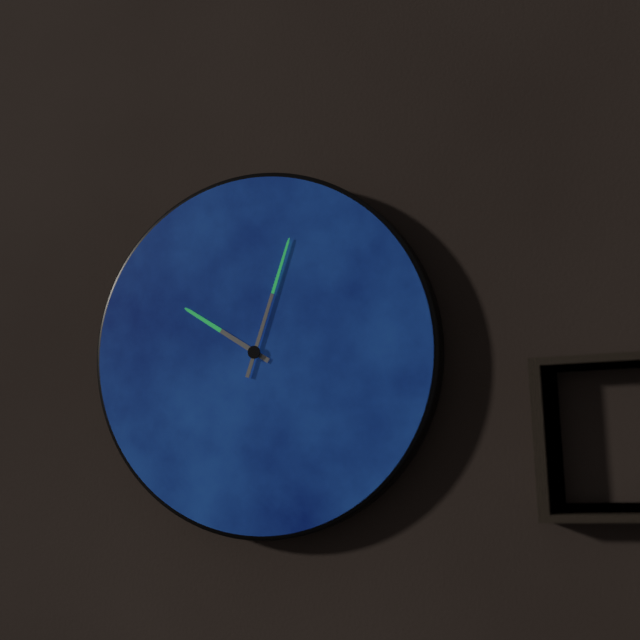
10.03
